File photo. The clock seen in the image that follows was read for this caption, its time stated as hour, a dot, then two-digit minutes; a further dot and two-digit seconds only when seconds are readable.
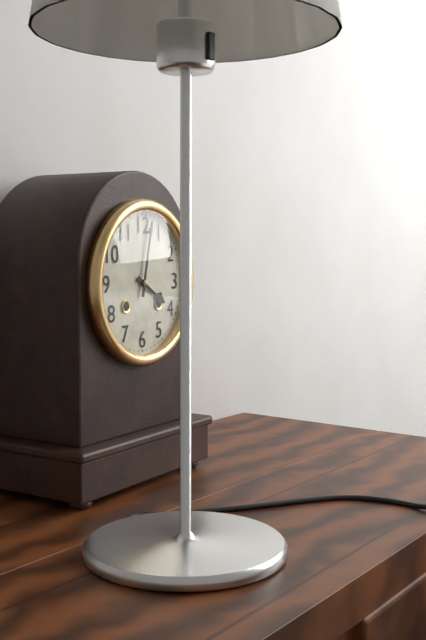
4.02
